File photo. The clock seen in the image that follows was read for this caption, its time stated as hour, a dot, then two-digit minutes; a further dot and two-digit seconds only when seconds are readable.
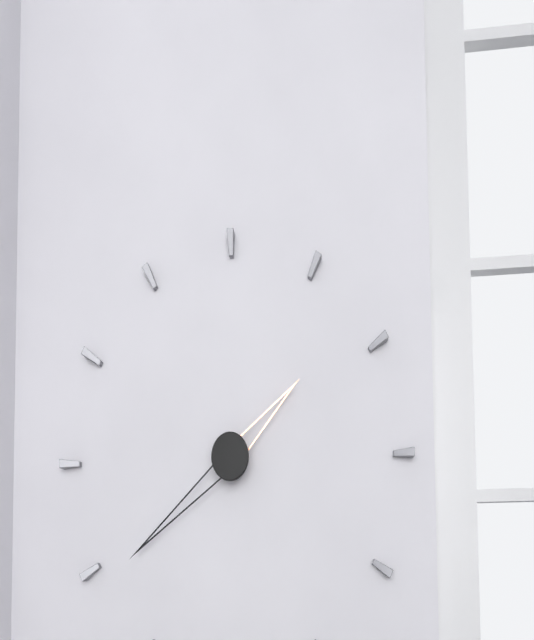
1.39
